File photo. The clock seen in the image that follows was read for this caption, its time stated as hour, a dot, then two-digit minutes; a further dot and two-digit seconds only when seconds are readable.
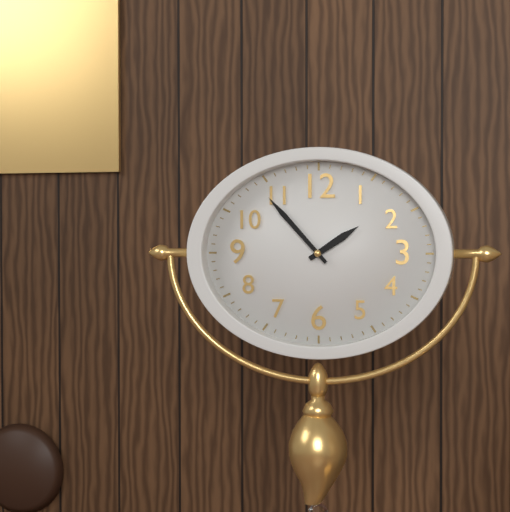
1.53
